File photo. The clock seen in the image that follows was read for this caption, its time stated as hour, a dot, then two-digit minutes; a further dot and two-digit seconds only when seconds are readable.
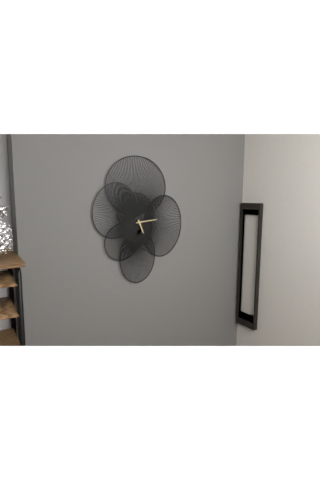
5.14
